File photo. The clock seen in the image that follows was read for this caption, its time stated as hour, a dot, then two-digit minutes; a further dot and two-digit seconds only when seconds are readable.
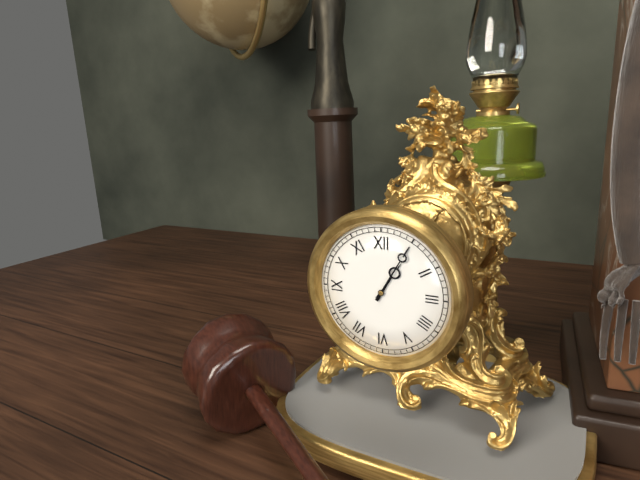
1.05
